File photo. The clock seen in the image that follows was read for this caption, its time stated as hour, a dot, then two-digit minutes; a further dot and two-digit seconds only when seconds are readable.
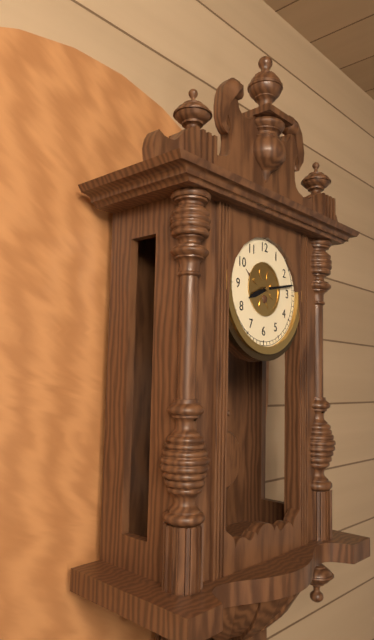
8.13
